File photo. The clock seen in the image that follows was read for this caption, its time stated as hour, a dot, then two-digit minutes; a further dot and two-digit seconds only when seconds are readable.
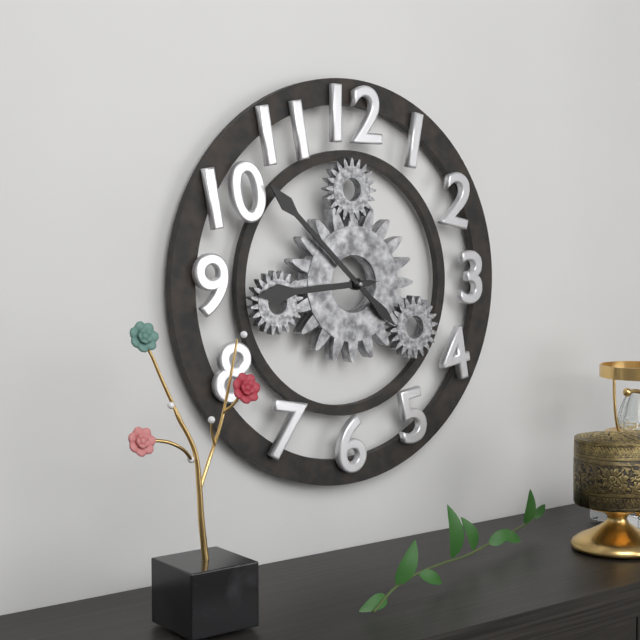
8.52
